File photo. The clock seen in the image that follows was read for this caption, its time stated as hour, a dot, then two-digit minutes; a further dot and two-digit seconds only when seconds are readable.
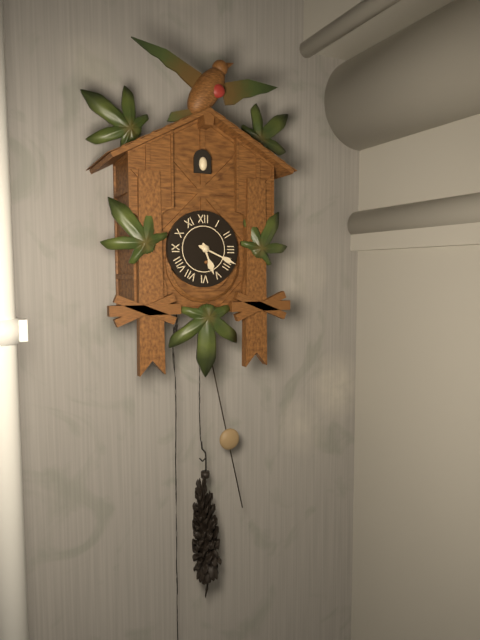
5.19
